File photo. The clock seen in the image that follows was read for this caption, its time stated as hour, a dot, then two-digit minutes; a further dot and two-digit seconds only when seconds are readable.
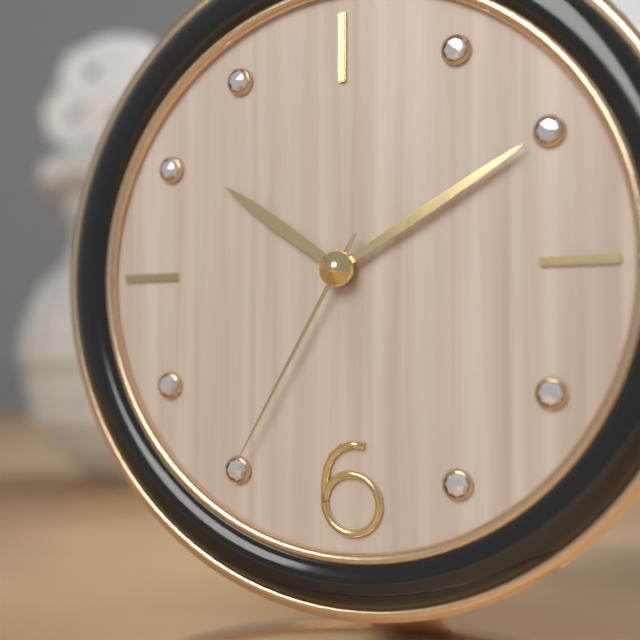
10.10.35
